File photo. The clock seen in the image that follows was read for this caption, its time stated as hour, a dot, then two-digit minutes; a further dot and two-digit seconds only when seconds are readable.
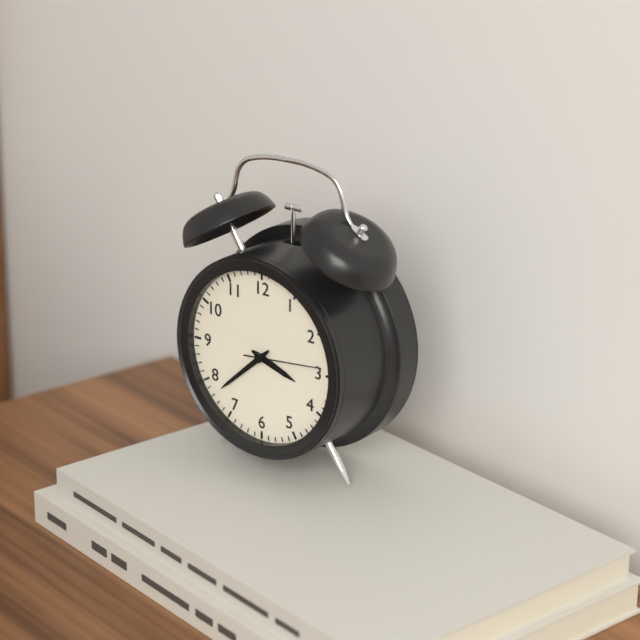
3.38.14
